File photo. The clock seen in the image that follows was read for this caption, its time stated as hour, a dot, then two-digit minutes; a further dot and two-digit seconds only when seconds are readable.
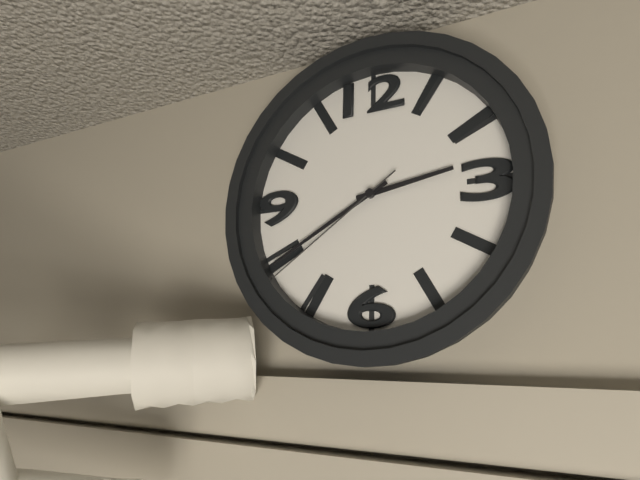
2.40.39
